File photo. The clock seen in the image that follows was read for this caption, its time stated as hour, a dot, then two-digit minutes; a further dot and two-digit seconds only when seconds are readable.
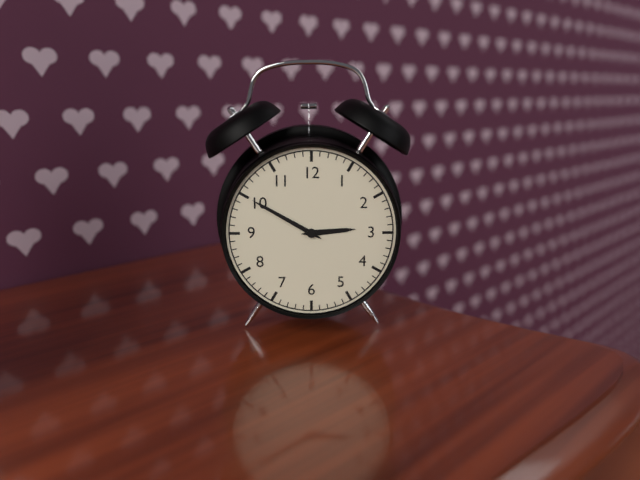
2.50
